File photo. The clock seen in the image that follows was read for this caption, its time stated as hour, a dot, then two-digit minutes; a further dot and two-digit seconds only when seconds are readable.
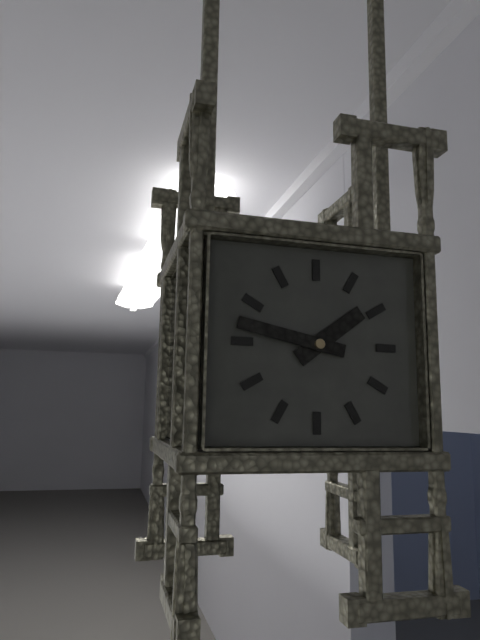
1.47
